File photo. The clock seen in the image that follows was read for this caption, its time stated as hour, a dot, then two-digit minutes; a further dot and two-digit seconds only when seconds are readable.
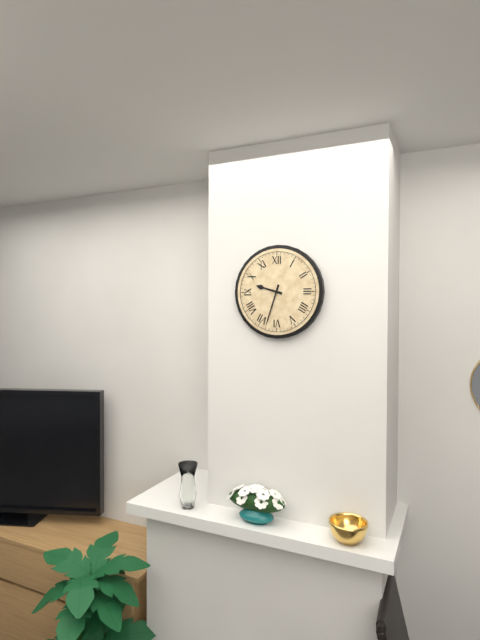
9.33
